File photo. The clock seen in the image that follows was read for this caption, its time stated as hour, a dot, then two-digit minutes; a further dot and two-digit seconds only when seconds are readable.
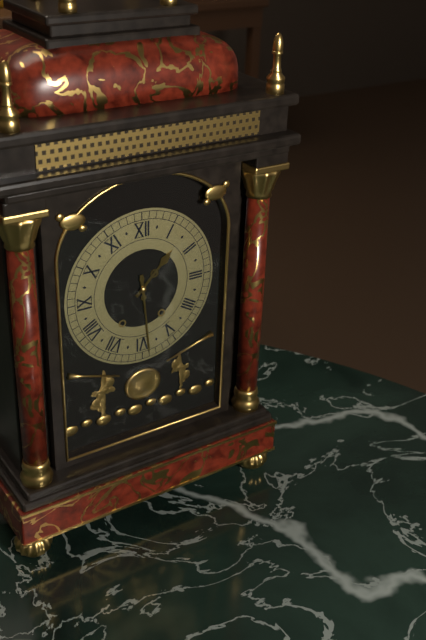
1.29
